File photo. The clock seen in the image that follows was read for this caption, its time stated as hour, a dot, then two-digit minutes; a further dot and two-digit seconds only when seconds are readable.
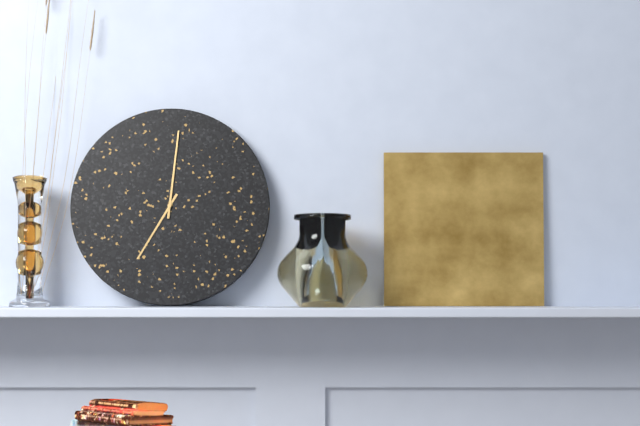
7.01
